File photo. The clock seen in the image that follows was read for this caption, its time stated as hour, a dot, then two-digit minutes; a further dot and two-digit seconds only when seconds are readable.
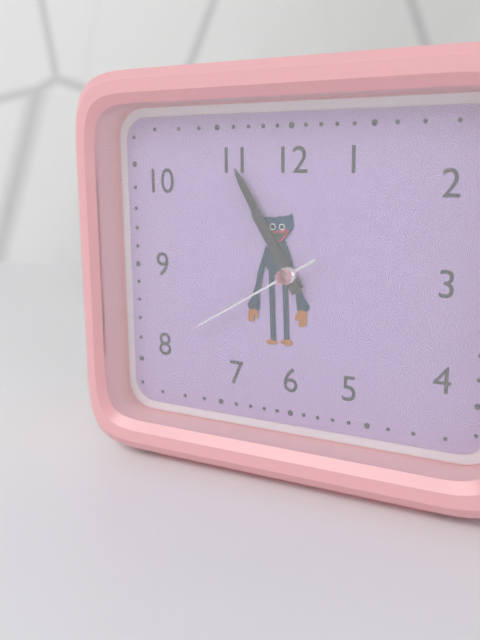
10.55.40
